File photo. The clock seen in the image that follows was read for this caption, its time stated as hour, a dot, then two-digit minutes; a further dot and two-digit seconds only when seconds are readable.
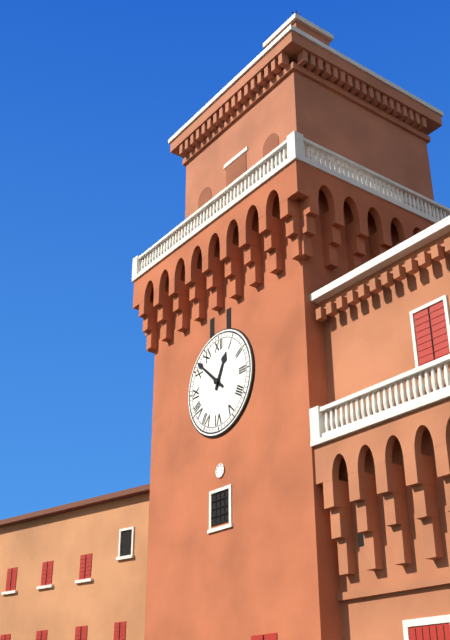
12.52
